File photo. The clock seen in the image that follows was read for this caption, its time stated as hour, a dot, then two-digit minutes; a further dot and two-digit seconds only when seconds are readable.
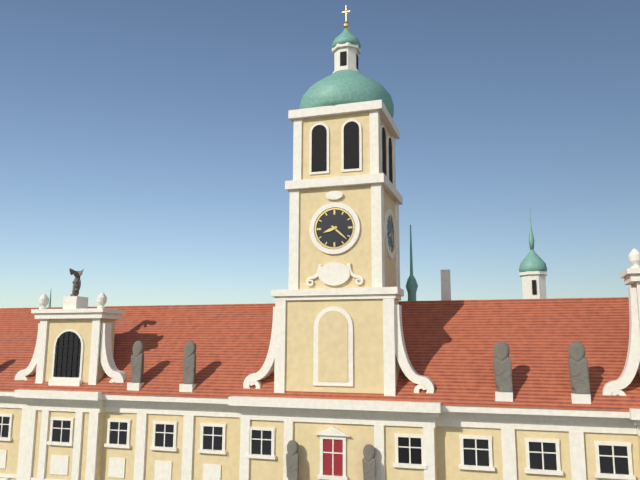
8.22
